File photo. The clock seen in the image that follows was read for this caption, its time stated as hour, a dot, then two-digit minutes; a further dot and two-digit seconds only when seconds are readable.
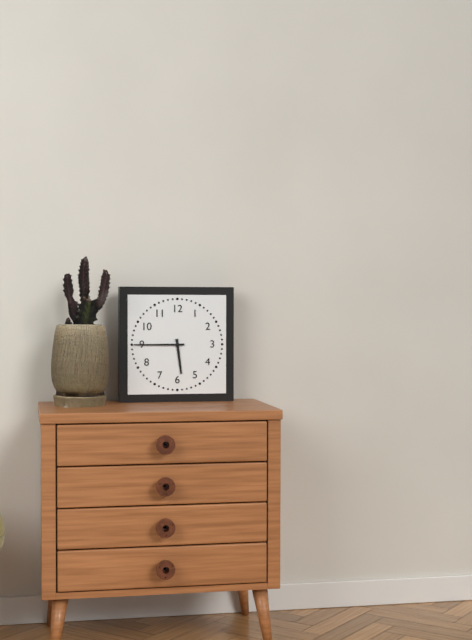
5.45
